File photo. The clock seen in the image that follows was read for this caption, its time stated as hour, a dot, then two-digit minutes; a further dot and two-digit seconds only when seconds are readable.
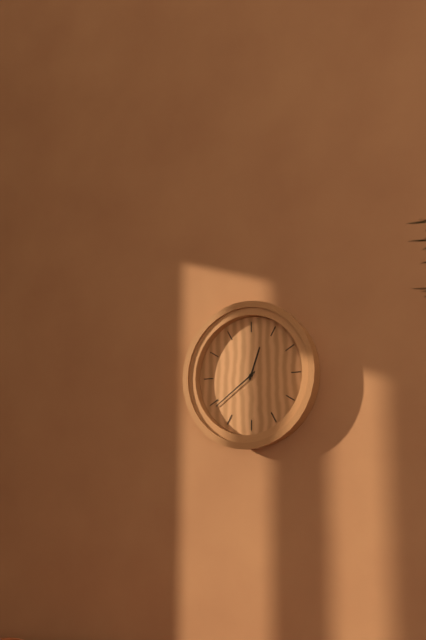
12.39
